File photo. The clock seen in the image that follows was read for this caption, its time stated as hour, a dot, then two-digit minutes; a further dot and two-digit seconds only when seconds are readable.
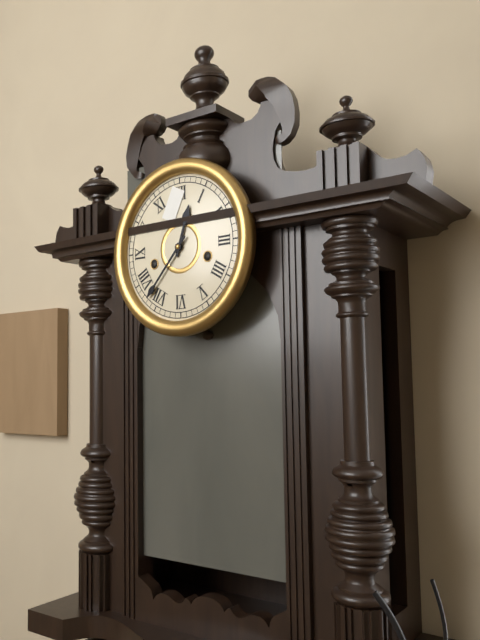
12.37
